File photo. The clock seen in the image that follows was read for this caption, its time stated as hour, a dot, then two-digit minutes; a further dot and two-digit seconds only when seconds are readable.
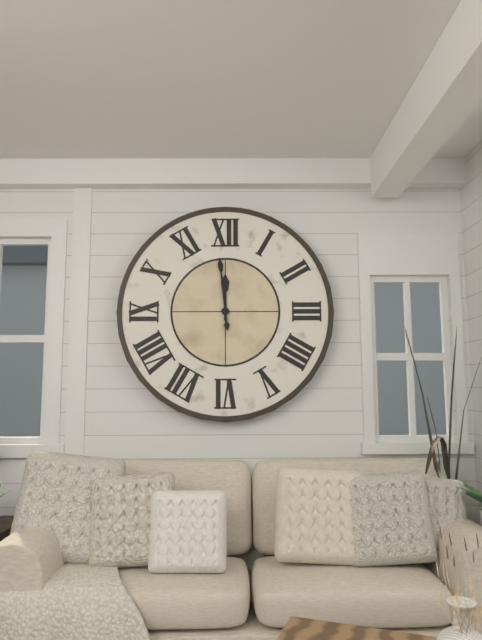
11.59
